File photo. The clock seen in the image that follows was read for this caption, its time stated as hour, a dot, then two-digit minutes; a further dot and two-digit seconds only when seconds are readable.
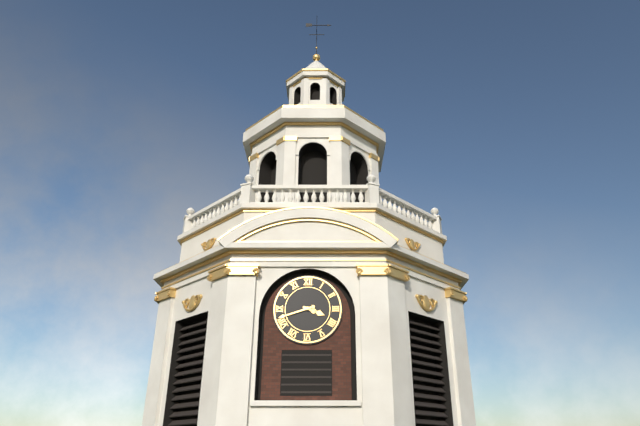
3.42
